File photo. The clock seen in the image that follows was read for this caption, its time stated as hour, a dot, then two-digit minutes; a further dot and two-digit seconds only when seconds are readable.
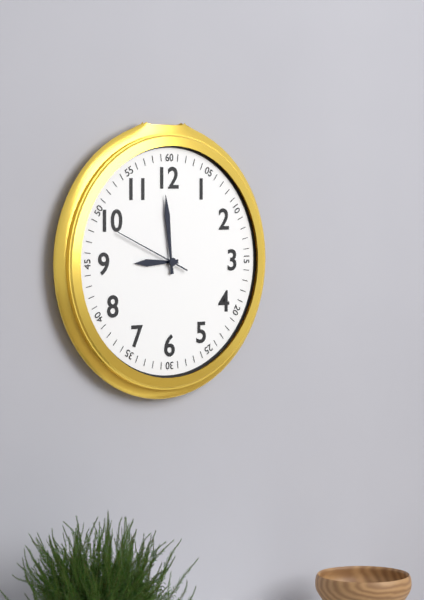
8.59.49
